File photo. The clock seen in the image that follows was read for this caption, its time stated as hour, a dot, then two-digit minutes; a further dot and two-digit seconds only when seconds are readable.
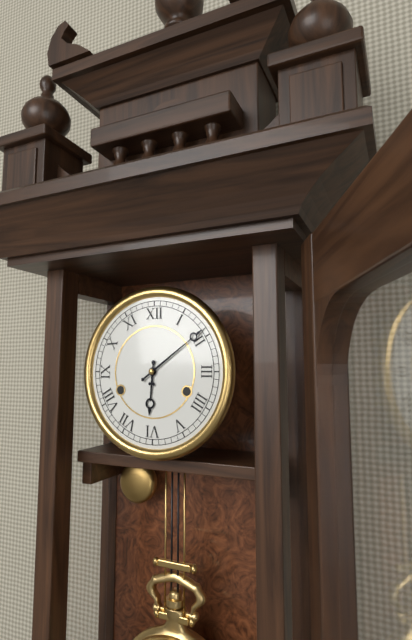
6.09
